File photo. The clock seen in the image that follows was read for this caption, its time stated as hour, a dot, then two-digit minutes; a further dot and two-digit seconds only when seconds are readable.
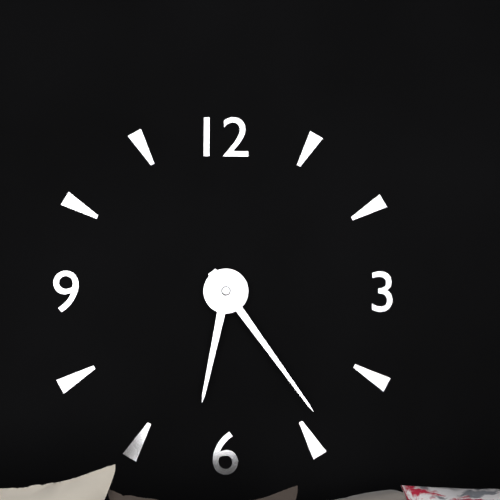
6.24
